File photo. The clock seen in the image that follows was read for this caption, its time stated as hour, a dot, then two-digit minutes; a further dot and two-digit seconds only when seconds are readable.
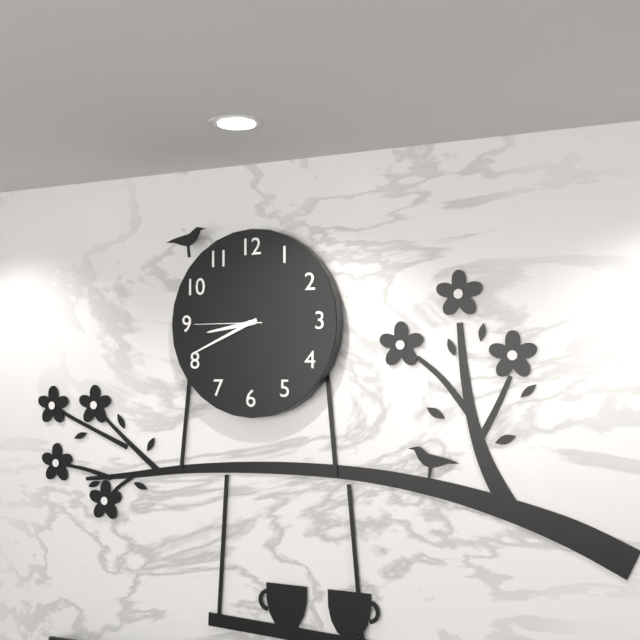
8.41.45
